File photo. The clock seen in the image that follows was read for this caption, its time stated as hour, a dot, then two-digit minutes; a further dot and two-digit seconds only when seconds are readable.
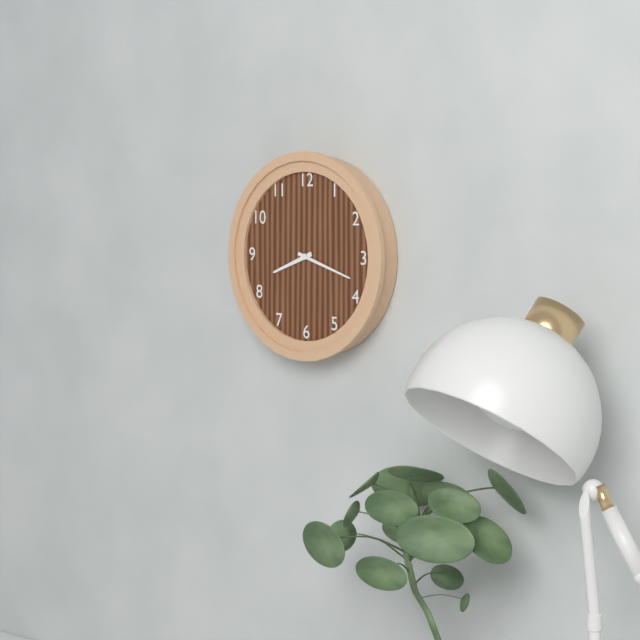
8.18
